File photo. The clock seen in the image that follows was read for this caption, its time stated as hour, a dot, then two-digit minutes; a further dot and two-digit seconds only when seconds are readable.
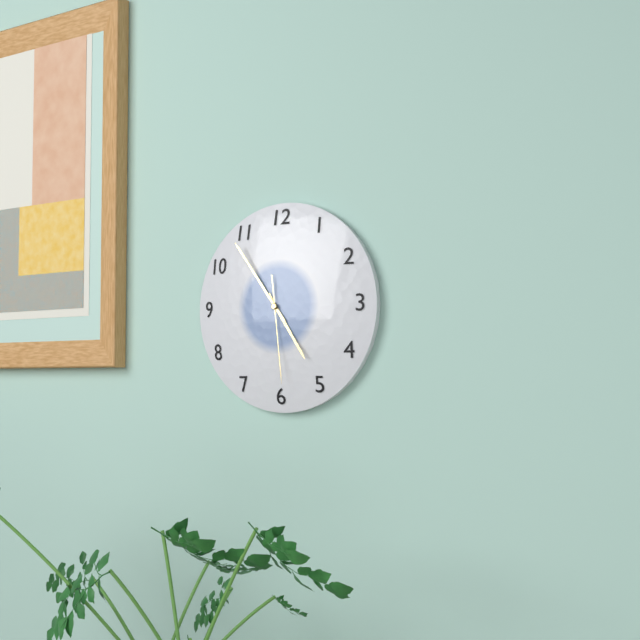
4.54.29
